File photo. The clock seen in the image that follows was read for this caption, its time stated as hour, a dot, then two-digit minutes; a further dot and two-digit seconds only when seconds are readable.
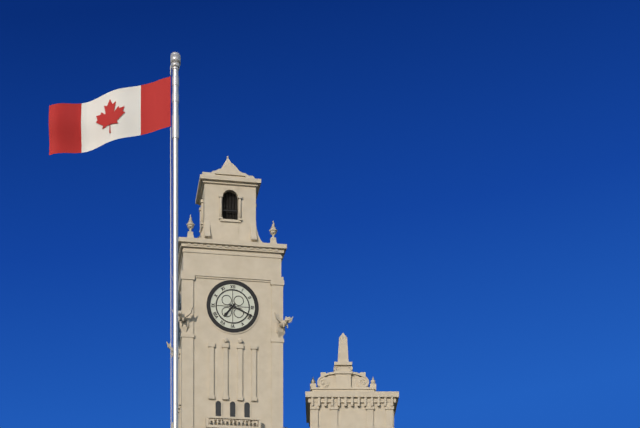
7.19
